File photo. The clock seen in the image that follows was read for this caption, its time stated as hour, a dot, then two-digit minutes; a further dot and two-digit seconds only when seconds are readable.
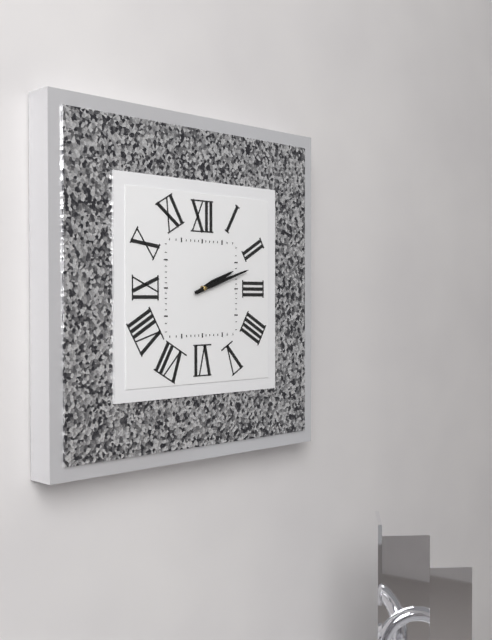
2.12
